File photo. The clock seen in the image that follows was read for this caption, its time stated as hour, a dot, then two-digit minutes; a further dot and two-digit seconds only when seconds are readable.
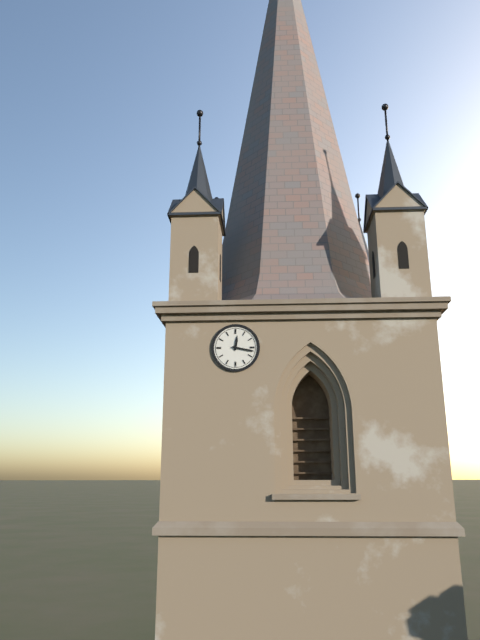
12.17
